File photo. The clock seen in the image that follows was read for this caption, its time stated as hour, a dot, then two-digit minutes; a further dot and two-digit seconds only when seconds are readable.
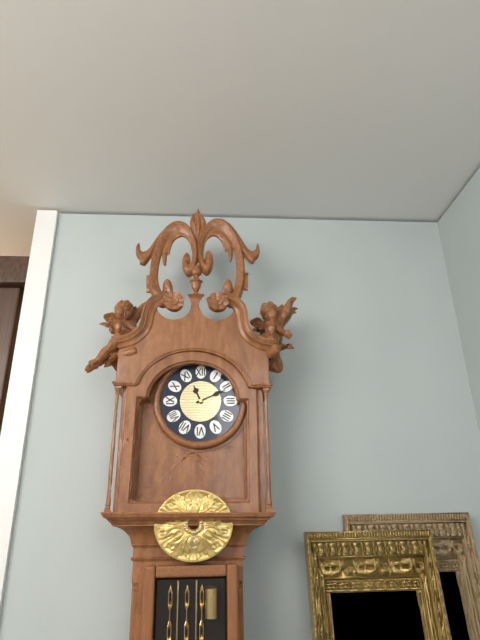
11.11
